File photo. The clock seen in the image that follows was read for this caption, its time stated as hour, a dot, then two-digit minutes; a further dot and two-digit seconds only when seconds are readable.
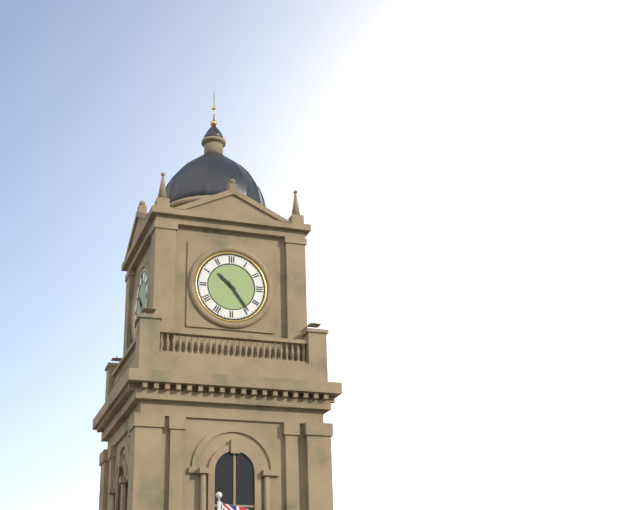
10.24
